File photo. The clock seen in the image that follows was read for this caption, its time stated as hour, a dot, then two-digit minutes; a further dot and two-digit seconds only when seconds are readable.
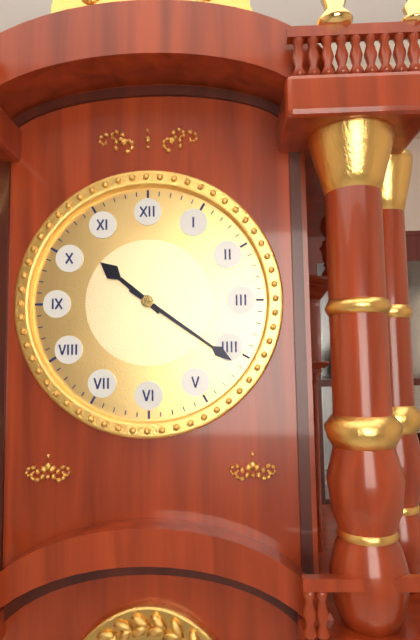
10.21
